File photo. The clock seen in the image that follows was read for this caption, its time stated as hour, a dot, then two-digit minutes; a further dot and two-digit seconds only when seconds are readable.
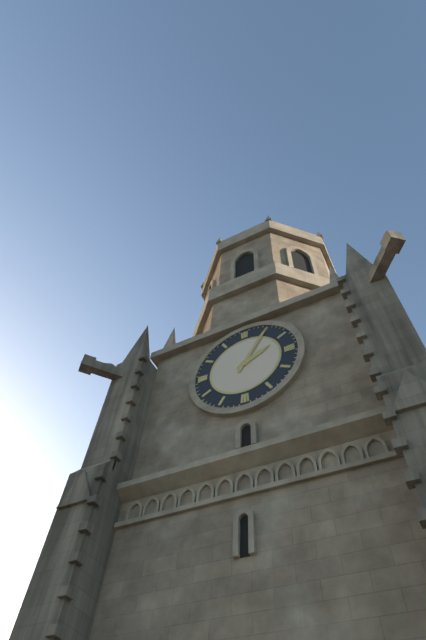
2.05
